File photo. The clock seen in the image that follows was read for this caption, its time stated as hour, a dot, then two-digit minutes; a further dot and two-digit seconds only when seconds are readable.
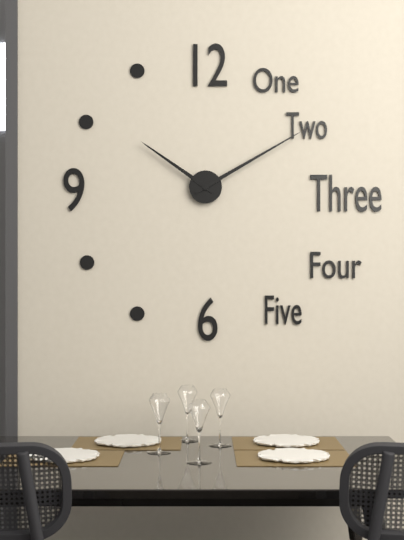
10.10
